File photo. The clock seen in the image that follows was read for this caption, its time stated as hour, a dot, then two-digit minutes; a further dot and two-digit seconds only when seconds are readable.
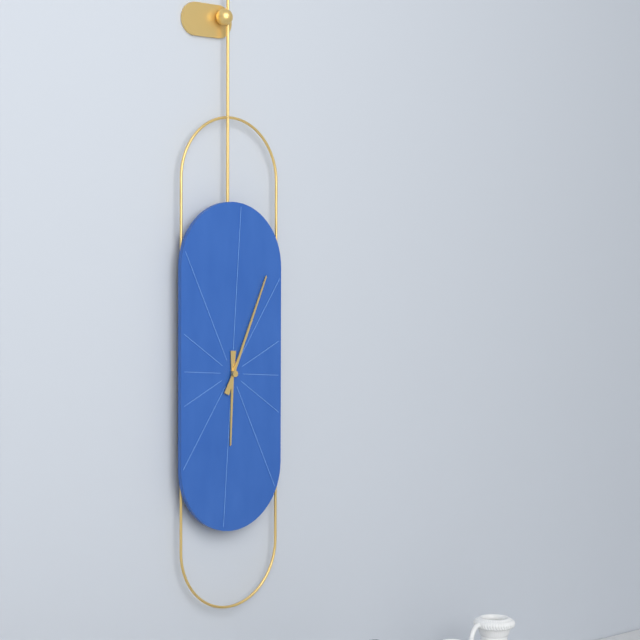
6.04
